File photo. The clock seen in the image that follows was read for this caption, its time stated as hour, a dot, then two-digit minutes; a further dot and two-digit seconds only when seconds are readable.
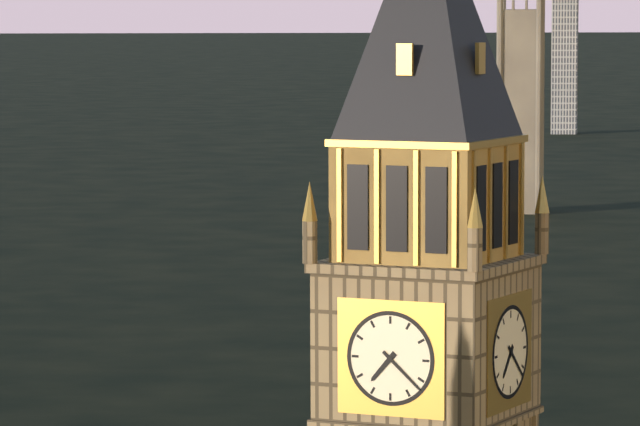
7.22
